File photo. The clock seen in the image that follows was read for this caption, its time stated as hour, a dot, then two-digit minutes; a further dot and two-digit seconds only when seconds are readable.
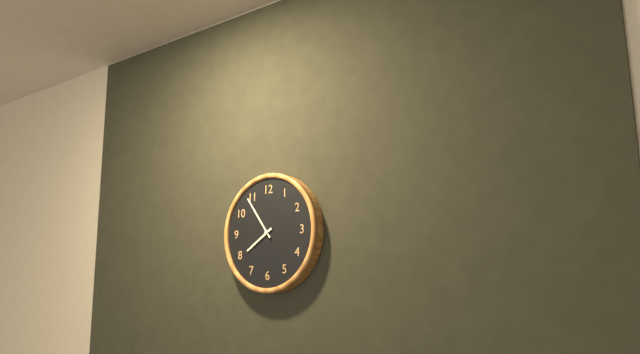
7.54
